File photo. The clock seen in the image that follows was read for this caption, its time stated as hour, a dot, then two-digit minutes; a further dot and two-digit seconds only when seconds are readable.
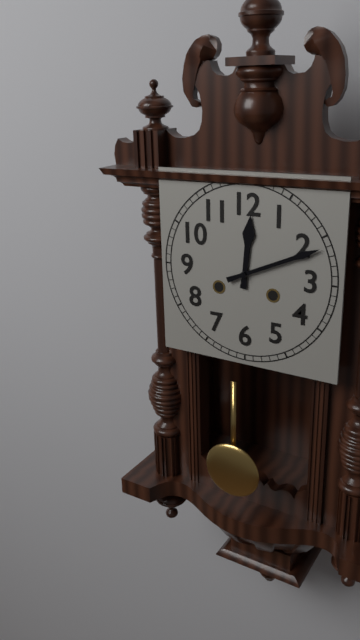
12.11
